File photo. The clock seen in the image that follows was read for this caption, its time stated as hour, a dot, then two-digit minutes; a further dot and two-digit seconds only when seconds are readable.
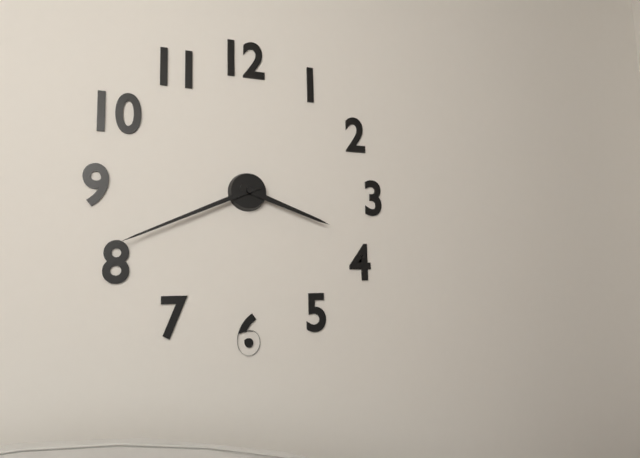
3.41
